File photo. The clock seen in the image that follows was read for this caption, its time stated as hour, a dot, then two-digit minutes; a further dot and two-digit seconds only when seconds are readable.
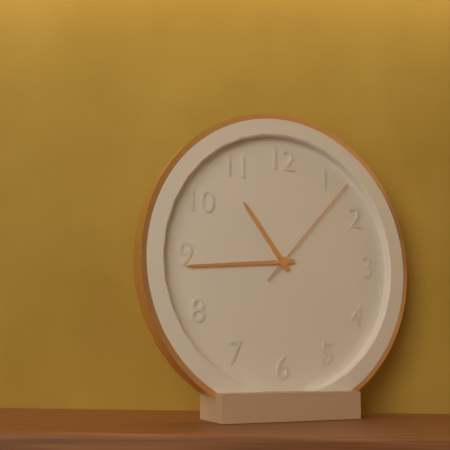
10.44.07
